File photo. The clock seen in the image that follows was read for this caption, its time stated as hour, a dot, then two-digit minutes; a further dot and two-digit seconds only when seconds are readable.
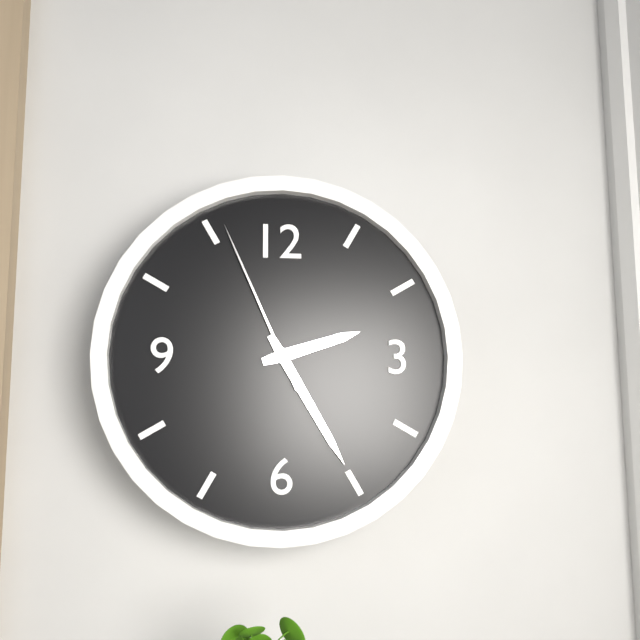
2.25.56
